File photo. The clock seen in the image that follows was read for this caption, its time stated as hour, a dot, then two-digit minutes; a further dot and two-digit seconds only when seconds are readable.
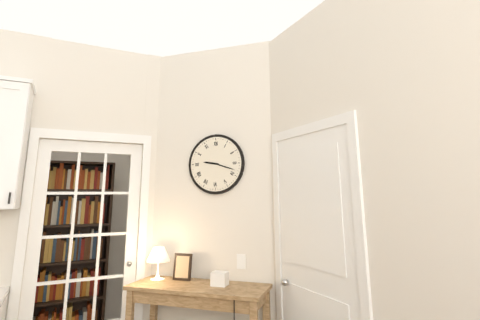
9.18
